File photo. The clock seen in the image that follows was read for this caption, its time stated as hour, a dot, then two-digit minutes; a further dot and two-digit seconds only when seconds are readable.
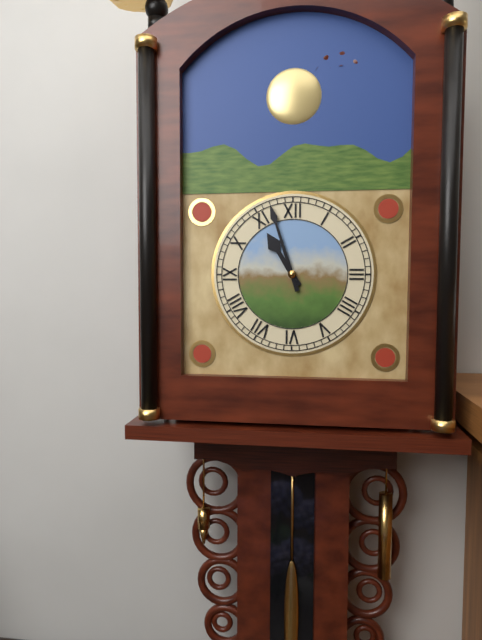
10.57
